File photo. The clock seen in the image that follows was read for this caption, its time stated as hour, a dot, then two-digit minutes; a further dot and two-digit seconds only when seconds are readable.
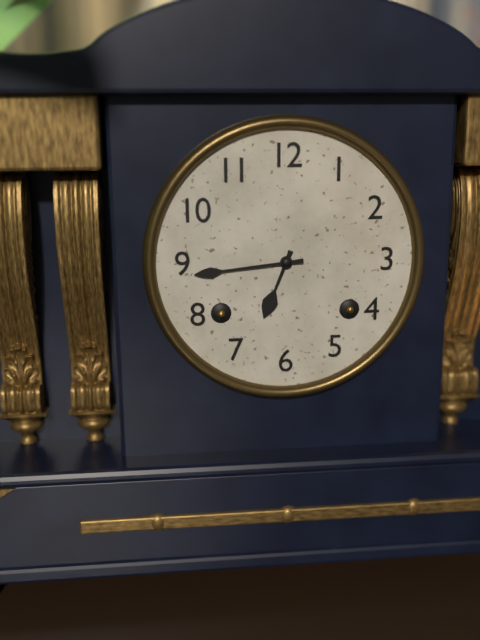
6.44
